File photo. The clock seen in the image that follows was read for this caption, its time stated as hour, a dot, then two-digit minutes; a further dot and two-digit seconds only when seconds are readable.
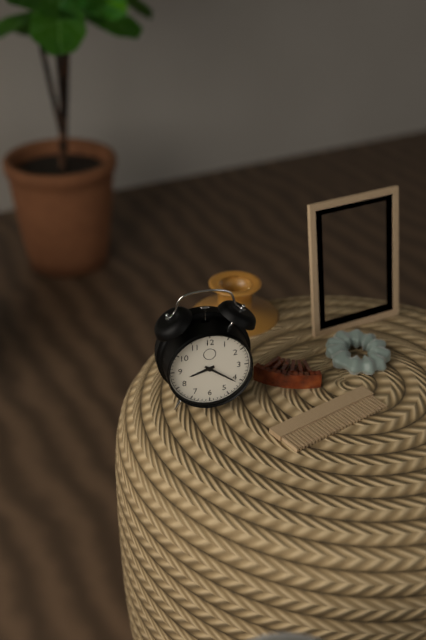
8.21
